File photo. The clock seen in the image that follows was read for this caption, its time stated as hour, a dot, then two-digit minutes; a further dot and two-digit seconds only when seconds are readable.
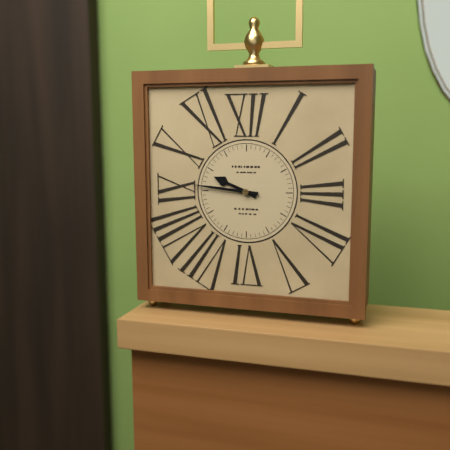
9.46
